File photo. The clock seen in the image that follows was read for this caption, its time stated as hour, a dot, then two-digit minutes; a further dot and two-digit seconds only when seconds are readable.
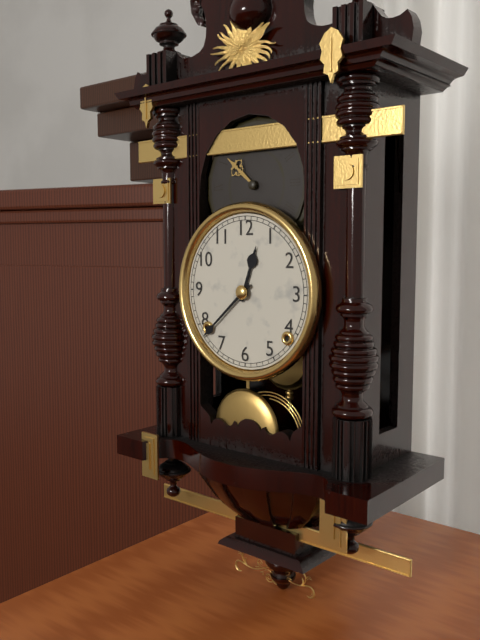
12.38
